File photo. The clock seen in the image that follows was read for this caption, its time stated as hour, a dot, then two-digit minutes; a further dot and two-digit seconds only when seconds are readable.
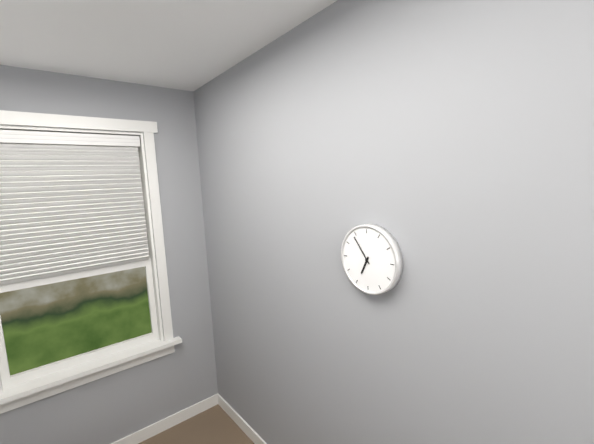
6.54
